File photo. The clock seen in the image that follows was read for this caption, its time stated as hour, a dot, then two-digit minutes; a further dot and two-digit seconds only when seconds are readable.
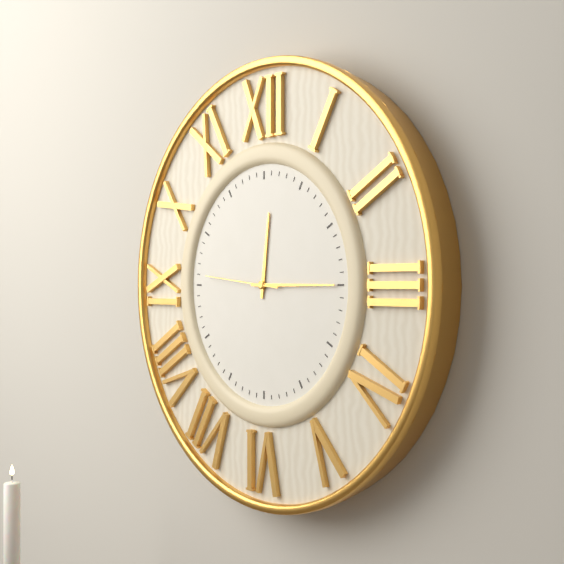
12.15.46
